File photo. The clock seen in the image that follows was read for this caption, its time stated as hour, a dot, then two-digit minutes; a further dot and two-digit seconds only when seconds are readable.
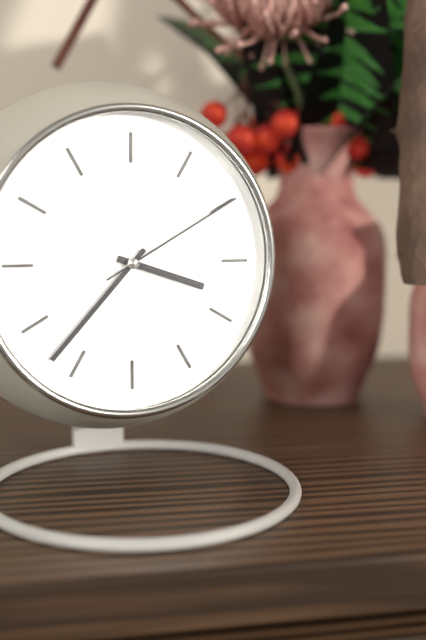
3.37.10
